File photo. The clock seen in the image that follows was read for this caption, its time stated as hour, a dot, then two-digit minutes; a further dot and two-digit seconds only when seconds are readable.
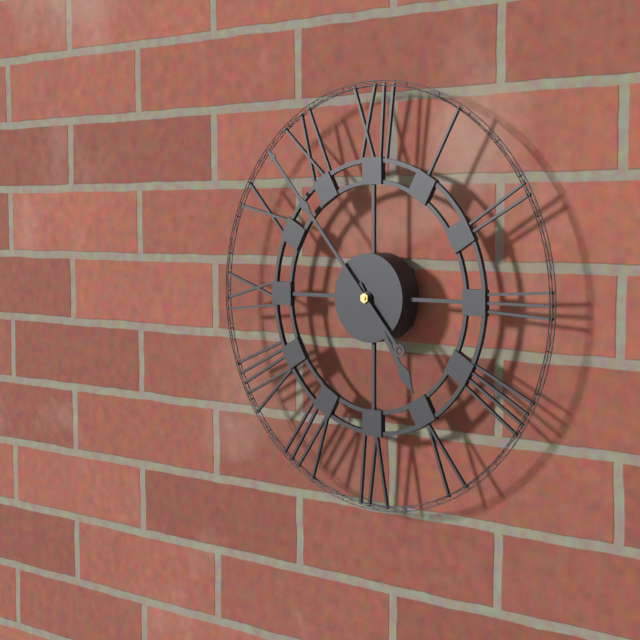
4.53
